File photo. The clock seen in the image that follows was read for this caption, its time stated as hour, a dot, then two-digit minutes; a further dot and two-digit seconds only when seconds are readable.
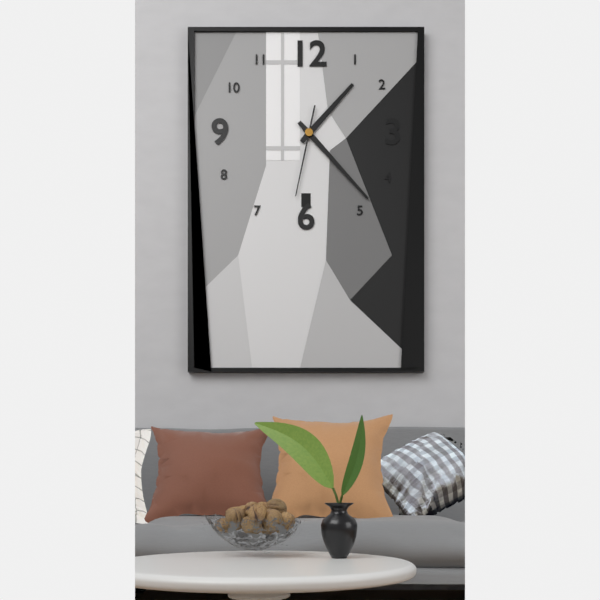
1.23.32
